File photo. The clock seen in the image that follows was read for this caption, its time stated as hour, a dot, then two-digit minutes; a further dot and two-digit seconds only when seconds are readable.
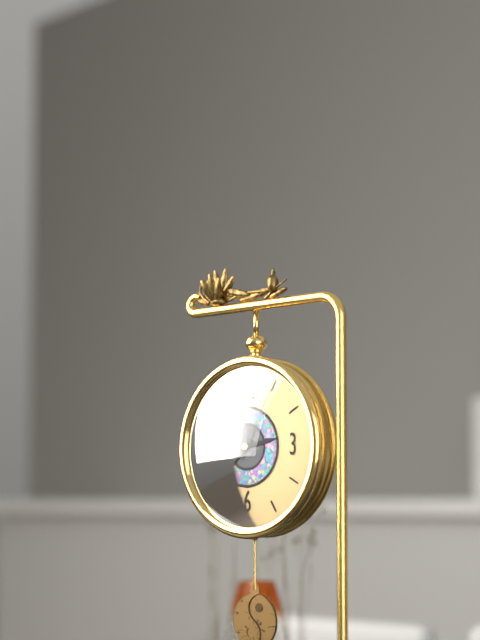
2.38.05
